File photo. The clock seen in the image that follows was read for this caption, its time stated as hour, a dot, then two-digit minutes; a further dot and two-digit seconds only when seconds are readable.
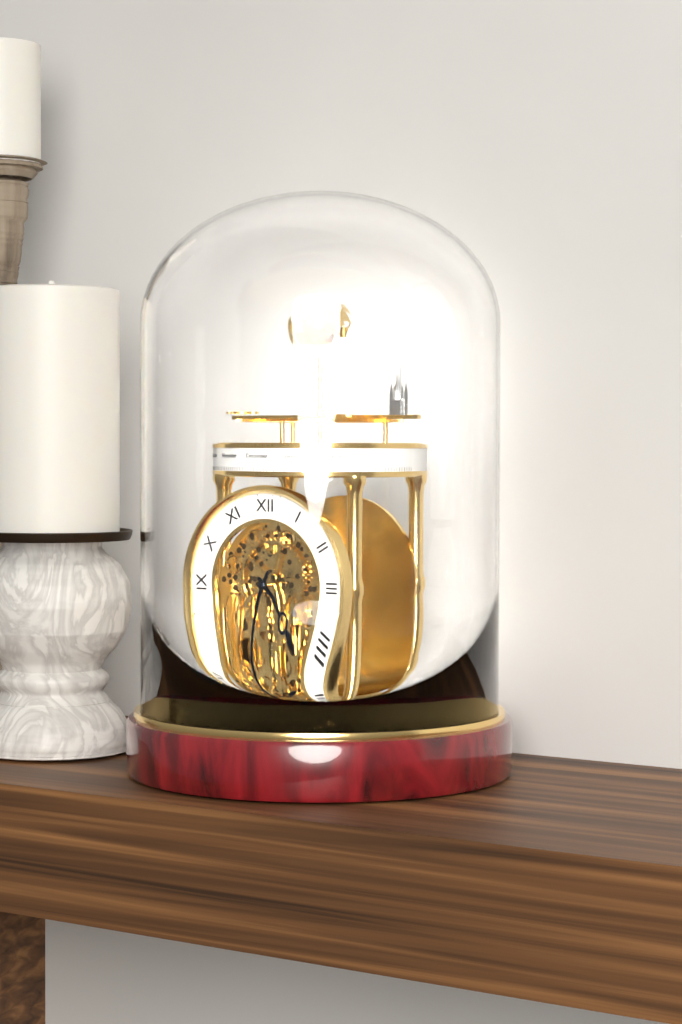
4.34
